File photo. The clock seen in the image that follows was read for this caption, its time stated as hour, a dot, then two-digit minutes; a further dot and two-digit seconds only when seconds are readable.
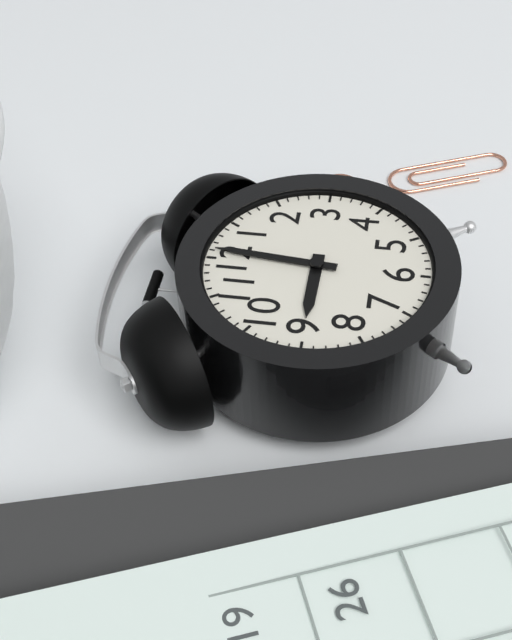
9.01
